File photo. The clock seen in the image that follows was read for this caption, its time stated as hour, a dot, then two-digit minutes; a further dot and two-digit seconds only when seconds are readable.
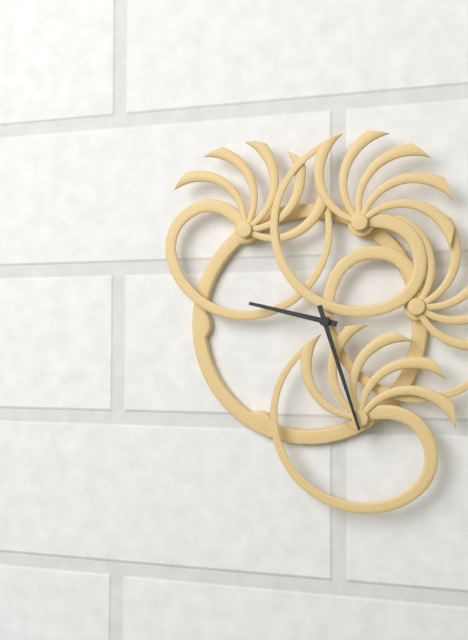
9.27
